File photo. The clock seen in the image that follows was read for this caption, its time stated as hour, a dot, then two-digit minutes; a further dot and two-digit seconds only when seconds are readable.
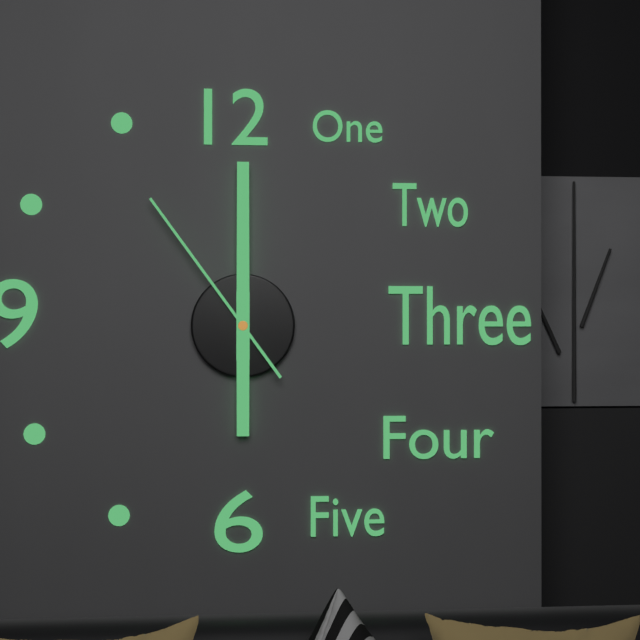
6.00.54
